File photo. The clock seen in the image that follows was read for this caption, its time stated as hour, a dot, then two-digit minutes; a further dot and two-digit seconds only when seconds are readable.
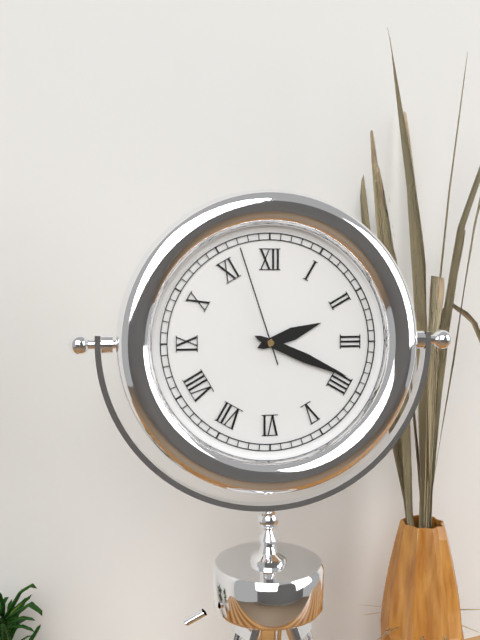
2.19.57
